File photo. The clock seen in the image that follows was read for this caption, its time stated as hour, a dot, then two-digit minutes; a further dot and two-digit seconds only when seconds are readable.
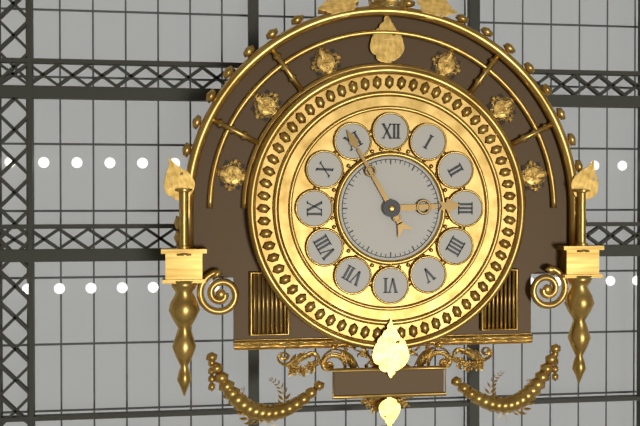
2.55
